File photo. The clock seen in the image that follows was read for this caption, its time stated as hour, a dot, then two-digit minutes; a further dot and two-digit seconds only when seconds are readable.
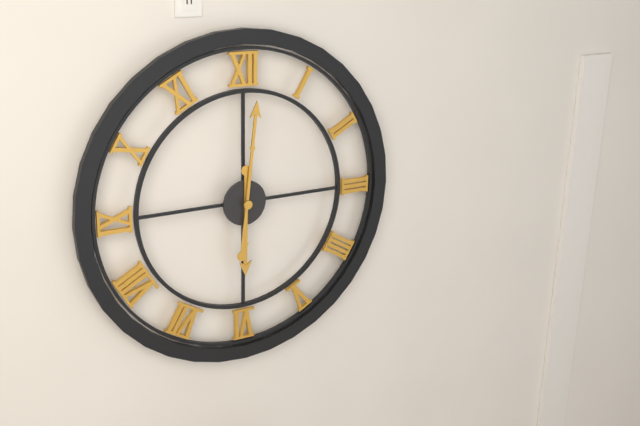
6.01
